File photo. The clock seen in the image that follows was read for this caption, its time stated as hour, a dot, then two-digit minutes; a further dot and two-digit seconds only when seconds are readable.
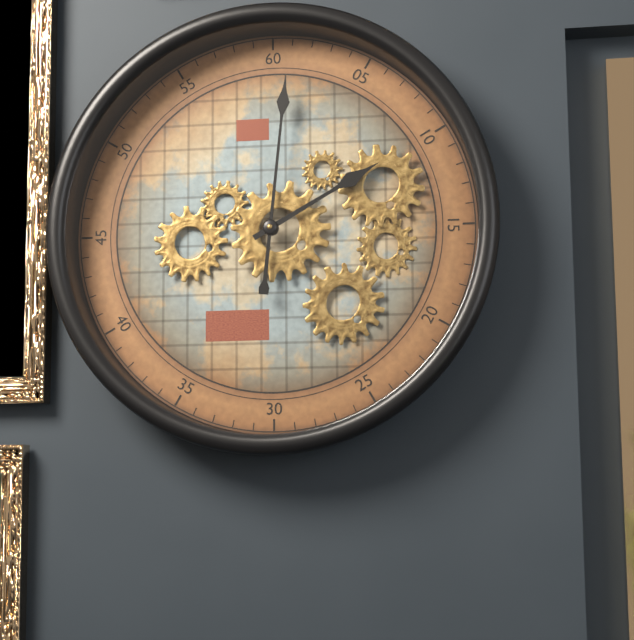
2.01
